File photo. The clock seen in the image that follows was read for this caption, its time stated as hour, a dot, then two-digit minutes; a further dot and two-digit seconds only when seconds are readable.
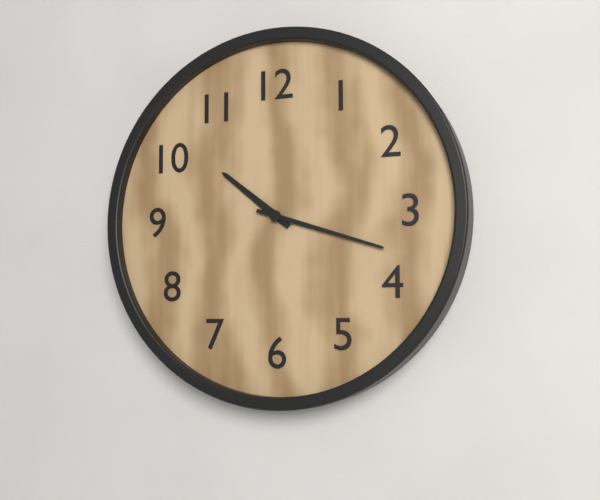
10.18
